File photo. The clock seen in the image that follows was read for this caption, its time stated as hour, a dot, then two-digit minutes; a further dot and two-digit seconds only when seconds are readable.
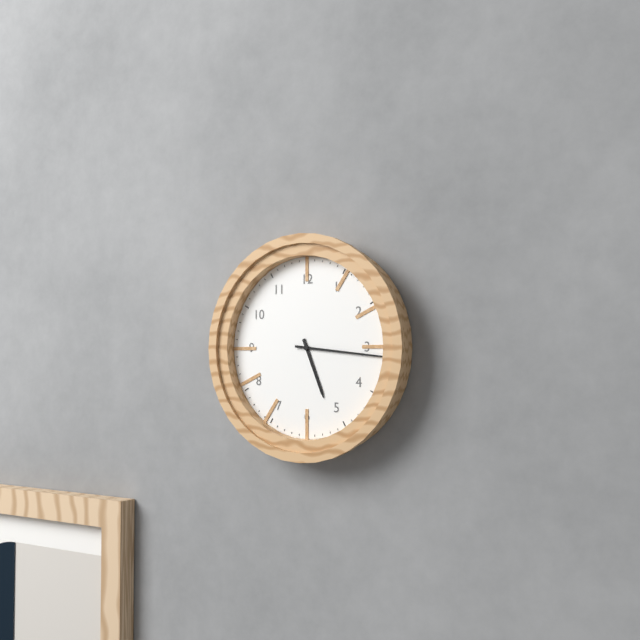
5.16
